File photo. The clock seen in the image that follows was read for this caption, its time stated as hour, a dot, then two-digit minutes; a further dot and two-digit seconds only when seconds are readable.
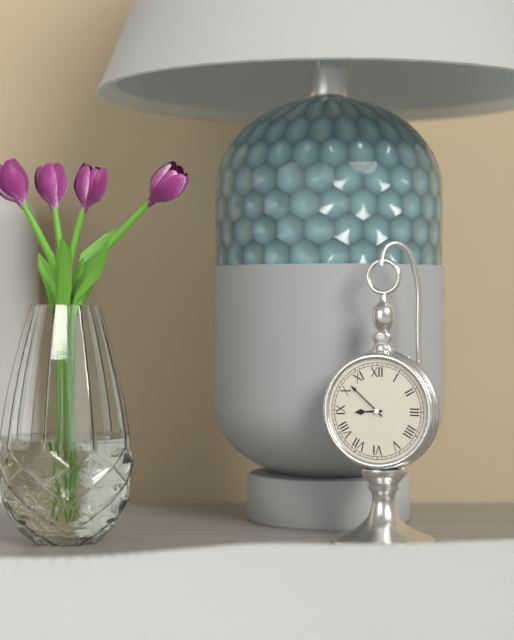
8.52
